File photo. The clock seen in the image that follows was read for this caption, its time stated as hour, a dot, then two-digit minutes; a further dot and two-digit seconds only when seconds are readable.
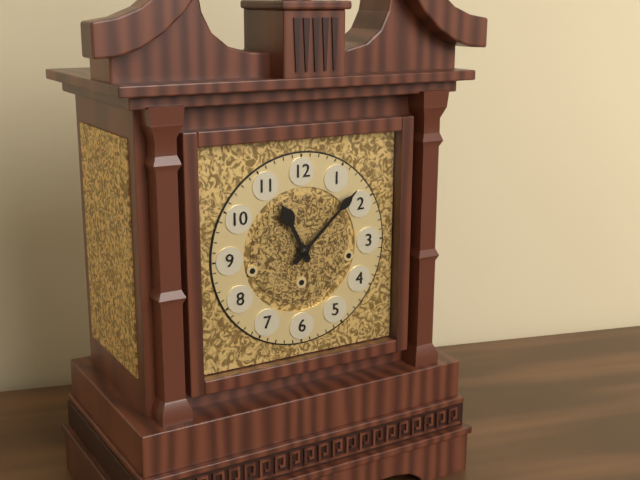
11.08
